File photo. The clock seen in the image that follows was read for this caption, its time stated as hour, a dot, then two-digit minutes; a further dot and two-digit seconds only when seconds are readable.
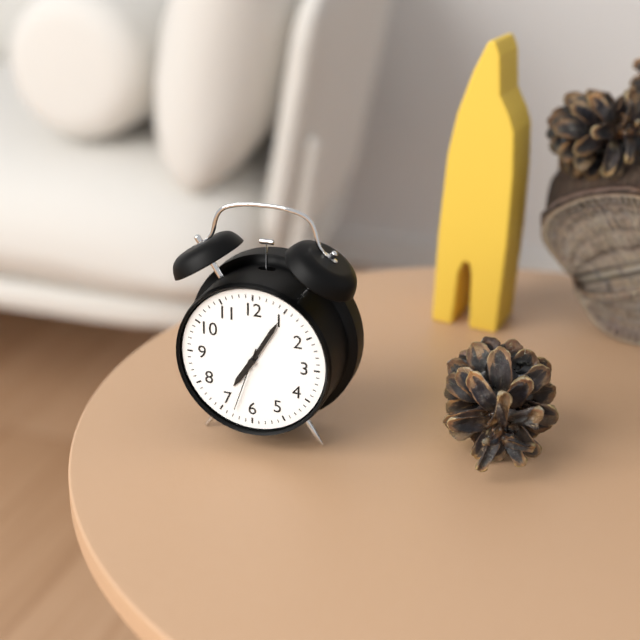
7.05.33
